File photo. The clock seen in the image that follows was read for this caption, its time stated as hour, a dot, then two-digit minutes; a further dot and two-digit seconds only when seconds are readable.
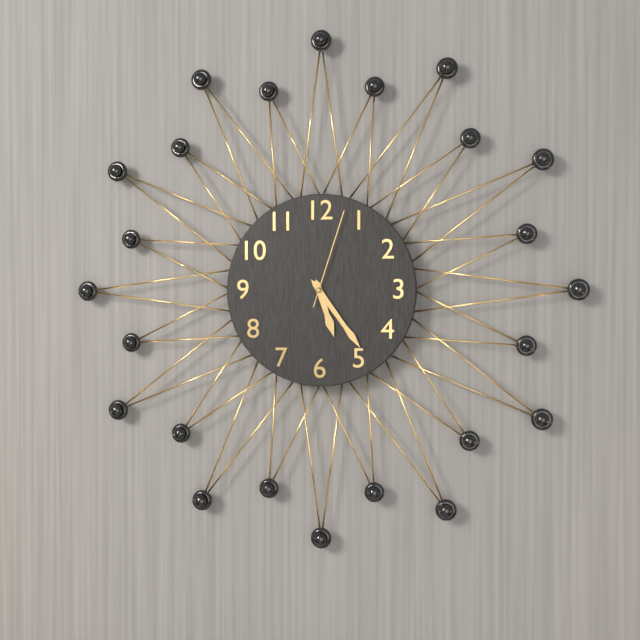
5.24.03
